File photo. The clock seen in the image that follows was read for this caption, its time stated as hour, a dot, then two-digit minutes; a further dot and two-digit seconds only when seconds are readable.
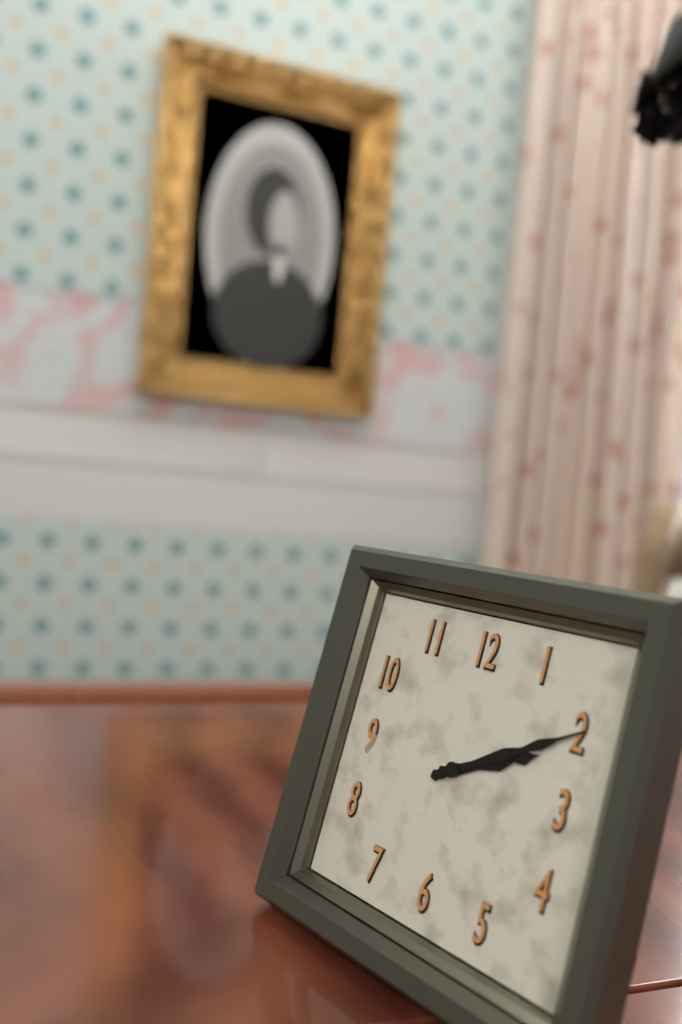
2.10
